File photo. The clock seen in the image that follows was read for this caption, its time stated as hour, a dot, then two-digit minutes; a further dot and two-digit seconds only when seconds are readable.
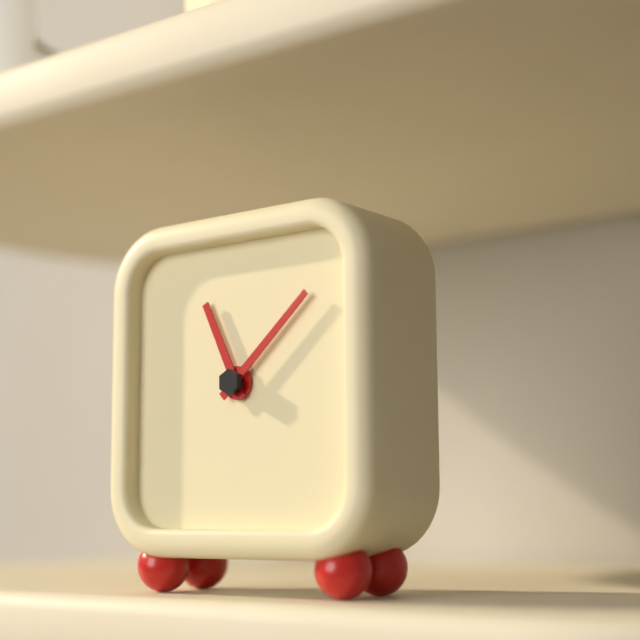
11.08
